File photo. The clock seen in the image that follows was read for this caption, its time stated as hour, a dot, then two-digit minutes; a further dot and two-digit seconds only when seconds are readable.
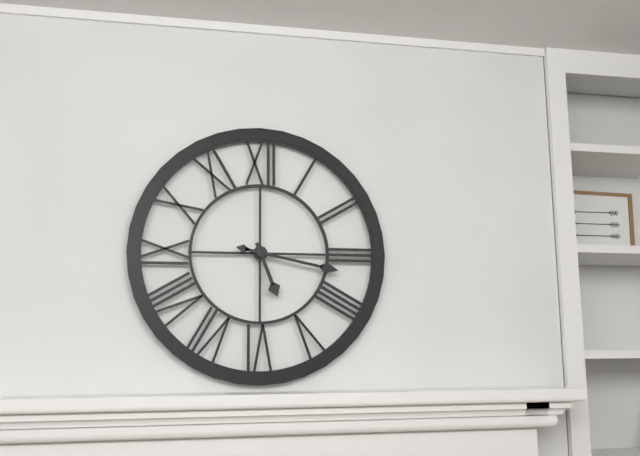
5.17
